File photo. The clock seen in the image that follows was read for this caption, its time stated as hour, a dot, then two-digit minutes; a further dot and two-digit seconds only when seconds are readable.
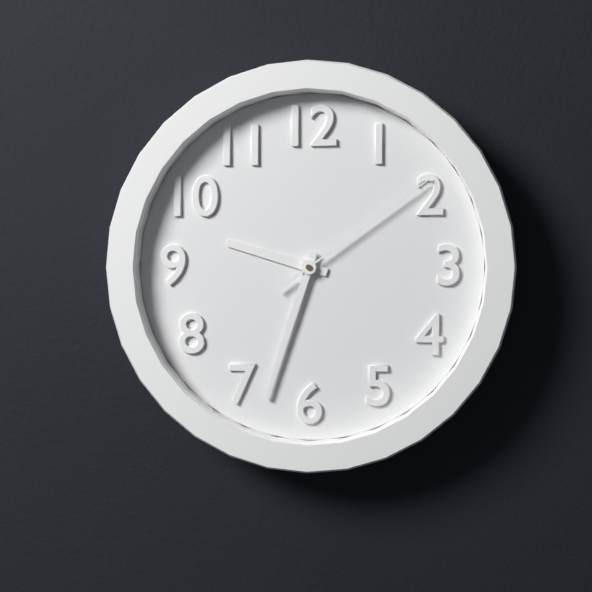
9.33.09
